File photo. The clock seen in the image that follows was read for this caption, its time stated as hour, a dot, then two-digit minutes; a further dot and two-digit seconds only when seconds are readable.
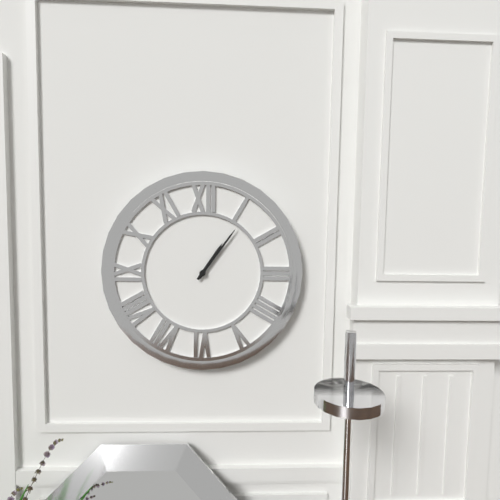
1.06
